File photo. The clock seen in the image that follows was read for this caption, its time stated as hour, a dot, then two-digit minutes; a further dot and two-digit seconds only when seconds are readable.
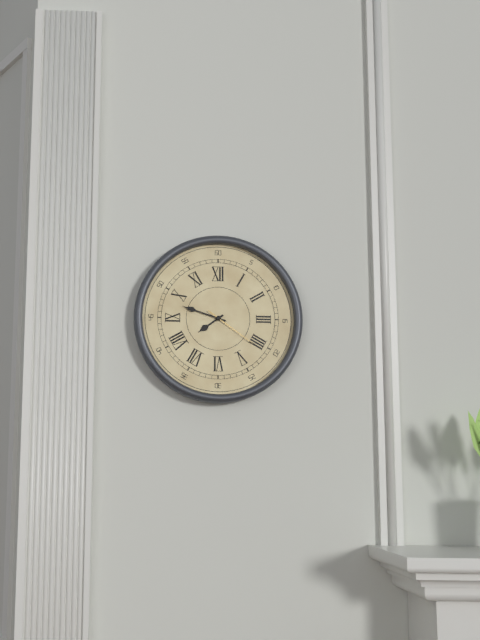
7.48.21
